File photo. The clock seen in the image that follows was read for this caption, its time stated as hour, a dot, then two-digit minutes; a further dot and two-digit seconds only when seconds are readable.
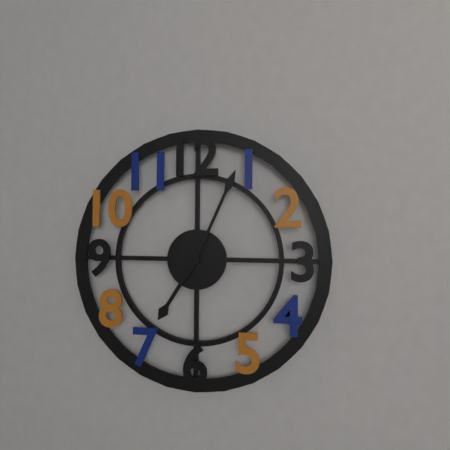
7.04
